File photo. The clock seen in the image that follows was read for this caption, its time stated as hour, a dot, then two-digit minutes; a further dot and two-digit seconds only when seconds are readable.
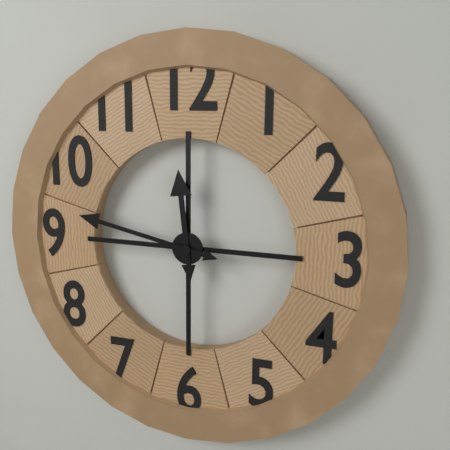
11.47
